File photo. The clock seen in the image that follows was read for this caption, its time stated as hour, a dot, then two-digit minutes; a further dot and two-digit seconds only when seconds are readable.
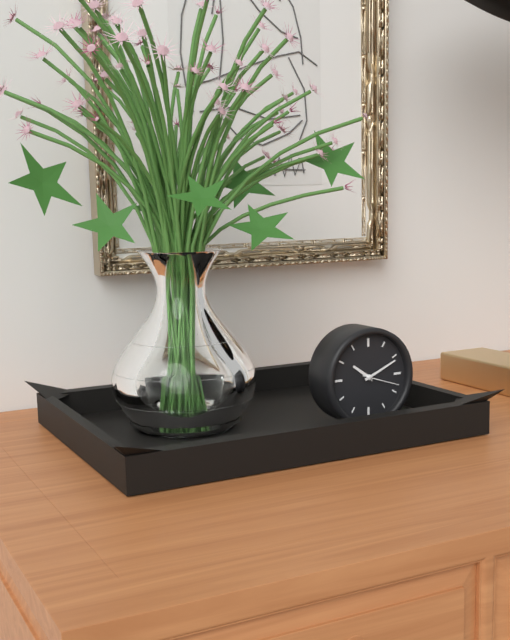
10.11
